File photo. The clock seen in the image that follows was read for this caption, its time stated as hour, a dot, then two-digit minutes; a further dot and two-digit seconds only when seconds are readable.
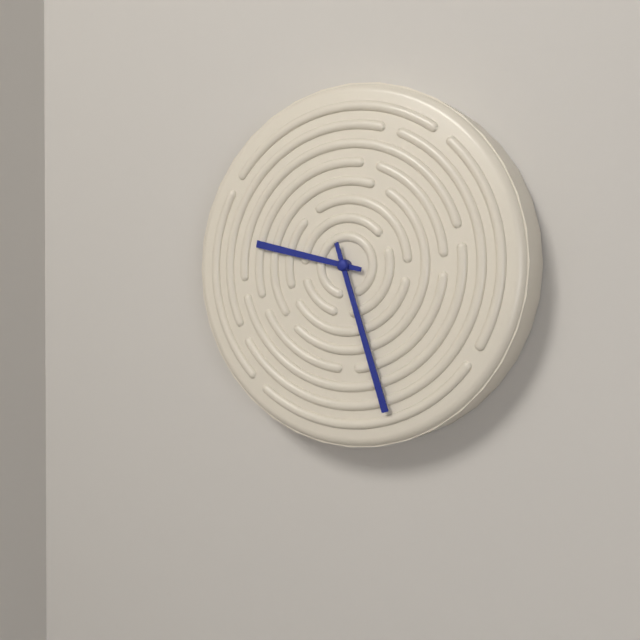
9.27
